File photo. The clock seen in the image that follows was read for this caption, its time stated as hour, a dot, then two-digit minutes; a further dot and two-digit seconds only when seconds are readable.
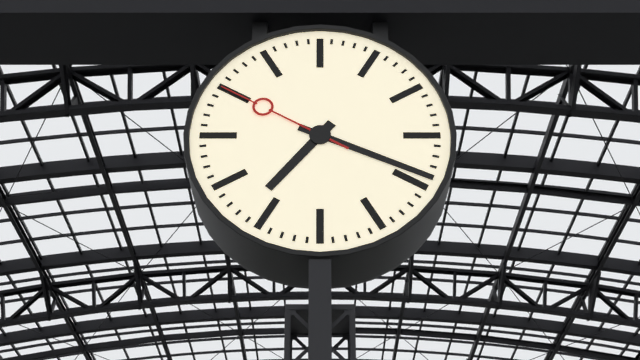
7.19.50
